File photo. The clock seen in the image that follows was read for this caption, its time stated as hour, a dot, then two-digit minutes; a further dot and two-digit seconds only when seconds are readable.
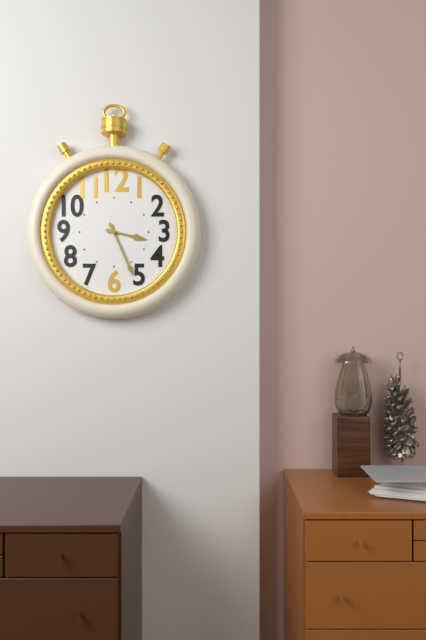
3.26
